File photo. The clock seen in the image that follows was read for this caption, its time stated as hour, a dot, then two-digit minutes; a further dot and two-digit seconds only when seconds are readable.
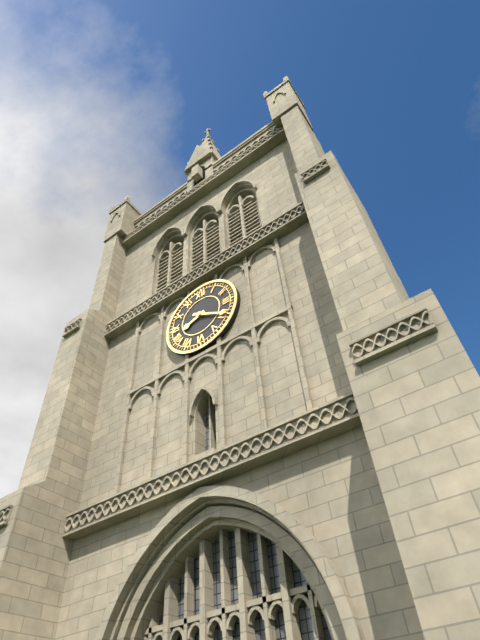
8.20
